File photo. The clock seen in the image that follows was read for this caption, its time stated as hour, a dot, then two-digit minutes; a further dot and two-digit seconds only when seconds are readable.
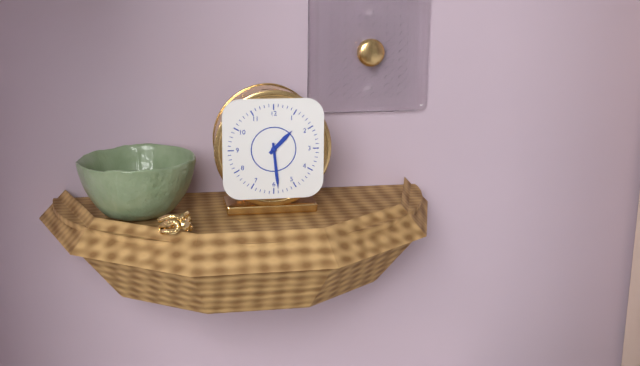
1.29
